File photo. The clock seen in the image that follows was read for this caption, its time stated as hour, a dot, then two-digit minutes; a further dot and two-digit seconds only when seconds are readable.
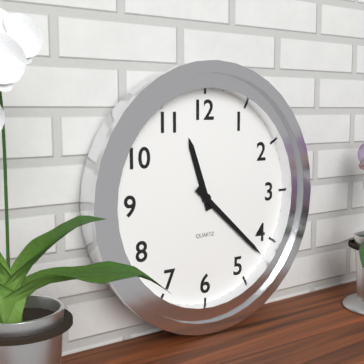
11.22
